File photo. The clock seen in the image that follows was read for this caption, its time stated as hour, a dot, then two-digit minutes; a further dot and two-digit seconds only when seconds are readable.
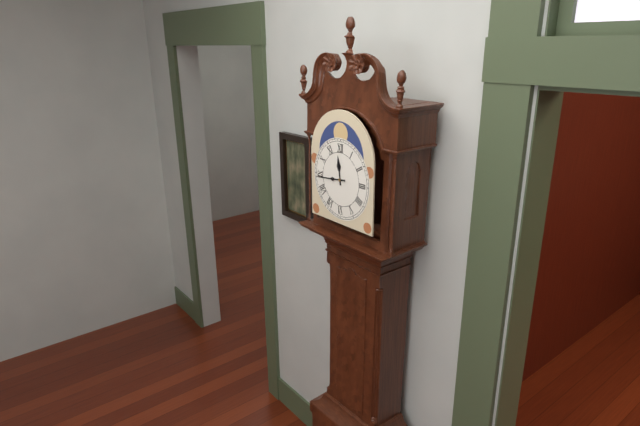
11.44
